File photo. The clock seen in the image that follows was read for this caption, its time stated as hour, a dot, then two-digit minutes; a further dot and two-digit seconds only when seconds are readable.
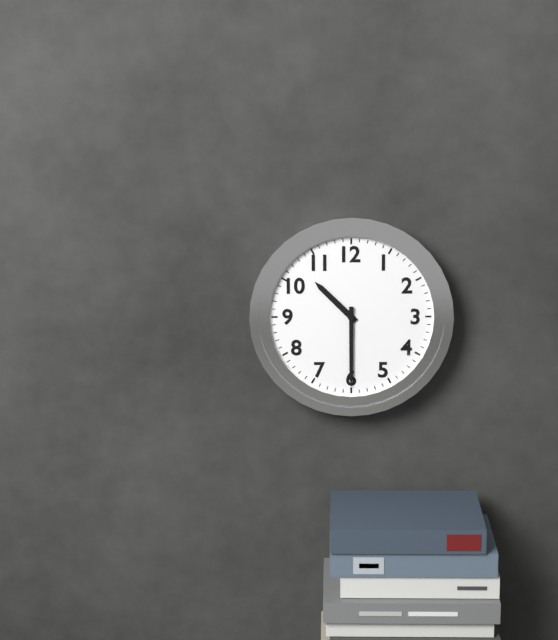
10.30
